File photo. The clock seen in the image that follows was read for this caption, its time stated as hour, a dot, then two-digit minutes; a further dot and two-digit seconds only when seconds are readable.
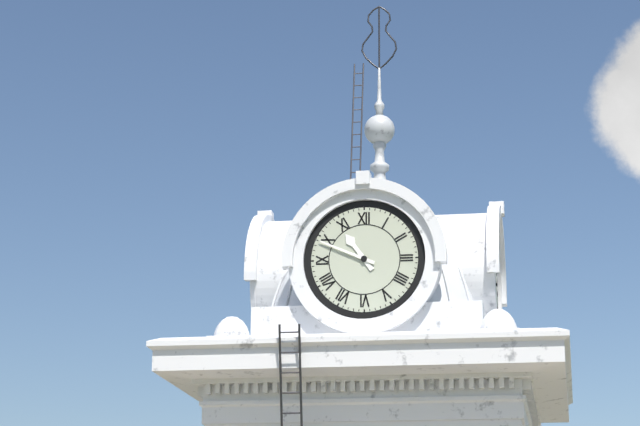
10.49
